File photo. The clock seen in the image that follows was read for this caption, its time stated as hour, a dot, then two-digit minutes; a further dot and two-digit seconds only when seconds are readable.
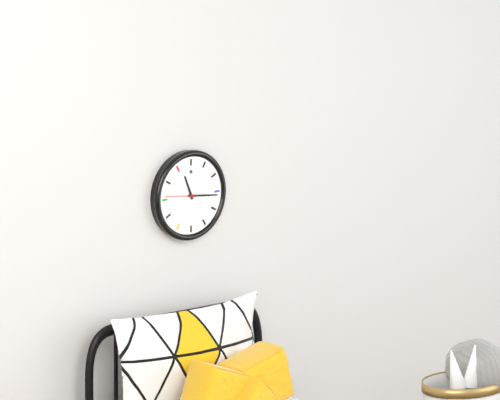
11.16
